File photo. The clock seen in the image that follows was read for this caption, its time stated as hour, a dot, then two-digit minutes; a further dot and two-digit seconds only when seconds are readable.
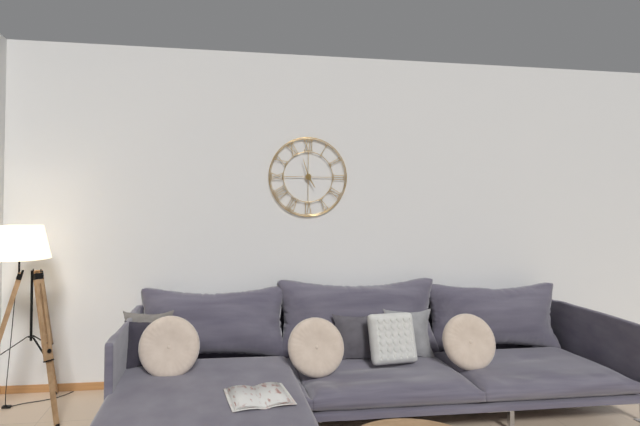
4.57
